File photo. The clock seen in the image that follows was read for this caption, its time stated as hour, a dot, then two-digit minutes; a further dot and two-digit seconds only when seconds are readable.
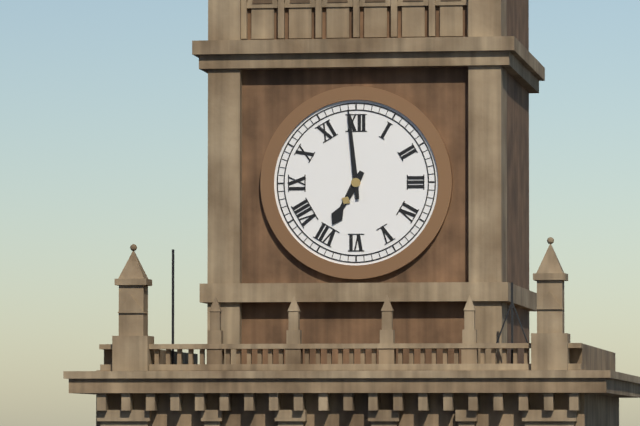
6.59
